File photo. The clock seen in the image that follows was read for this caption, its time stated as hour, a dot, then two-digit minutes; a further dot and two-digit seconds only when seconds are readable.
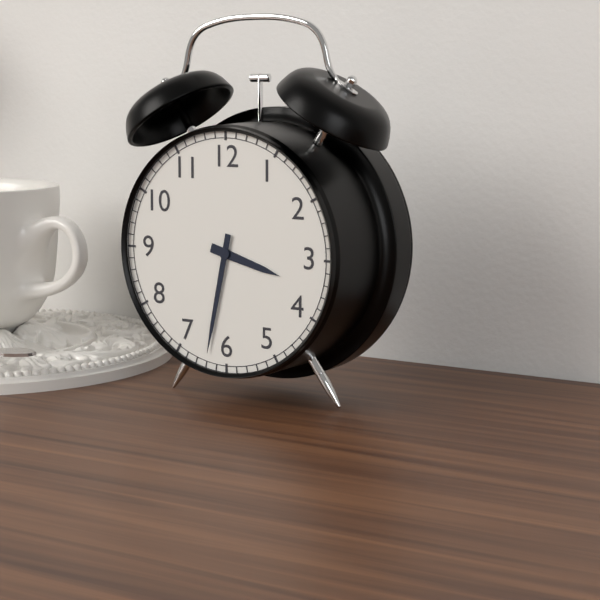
3.32
